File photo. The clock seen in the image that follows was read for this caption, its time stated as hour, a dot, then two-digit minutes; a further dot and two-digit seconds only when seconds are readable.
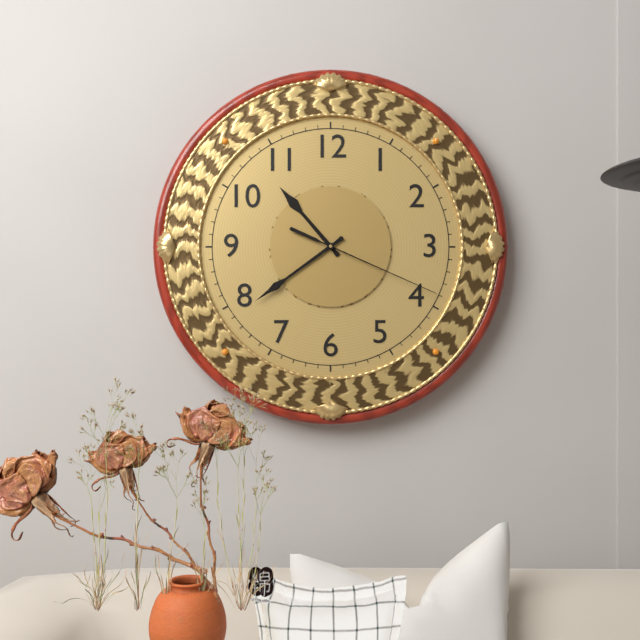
10.39.19
